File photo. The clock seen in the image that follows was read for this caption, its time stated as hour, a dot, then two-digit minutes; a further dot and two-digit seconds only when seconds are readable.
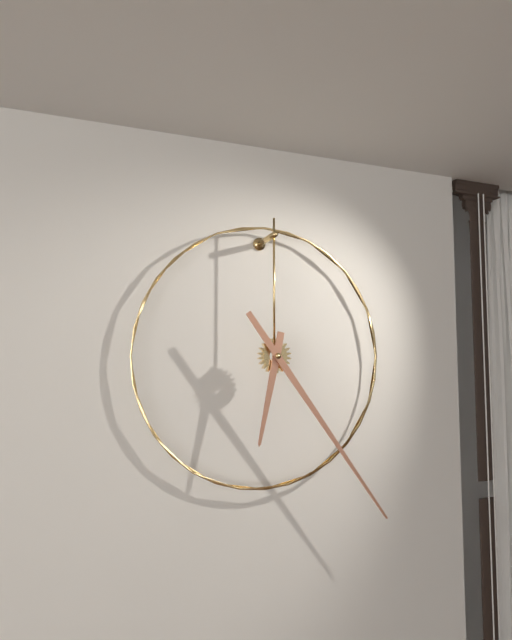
6.24
